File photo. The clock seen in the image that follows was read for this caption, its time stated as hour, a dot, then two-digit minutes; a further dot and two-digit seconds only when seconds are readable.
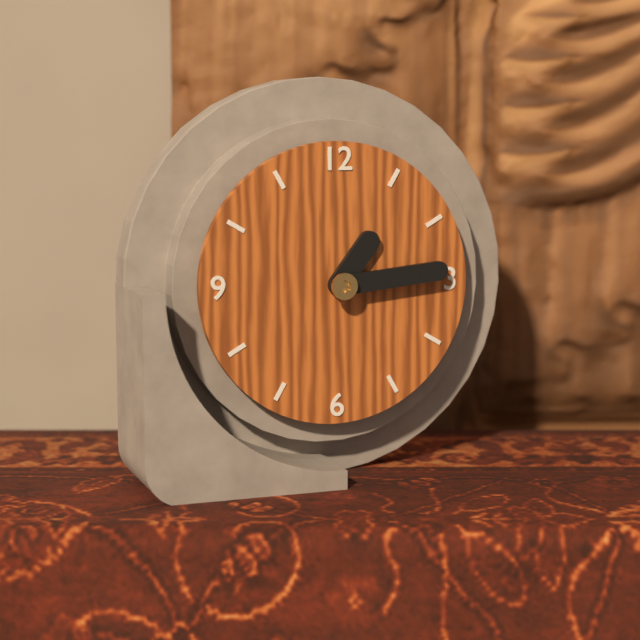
1.14
